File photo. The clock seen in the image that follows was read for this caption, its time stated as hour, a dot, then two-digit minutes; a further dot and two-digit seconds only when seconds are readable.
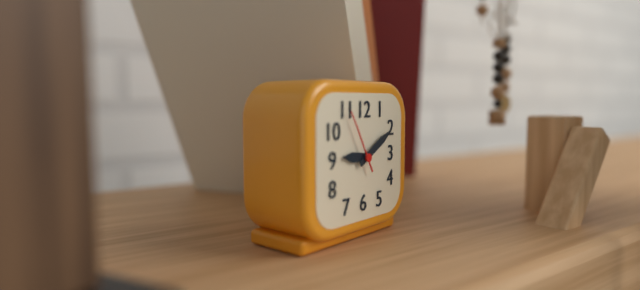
9.10.55
